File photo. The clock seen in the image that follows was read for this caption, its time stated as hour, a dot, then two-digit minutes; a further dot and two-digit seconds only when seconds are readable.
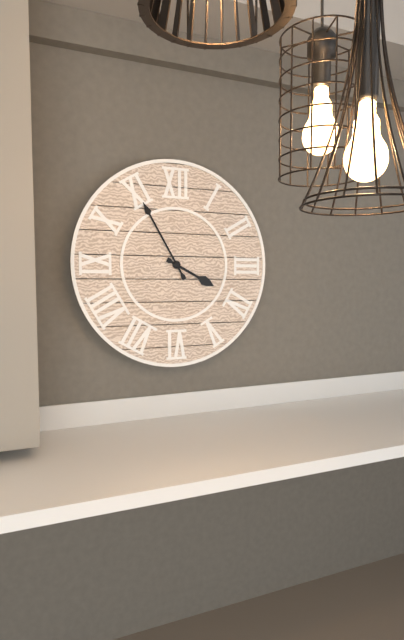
3.55
